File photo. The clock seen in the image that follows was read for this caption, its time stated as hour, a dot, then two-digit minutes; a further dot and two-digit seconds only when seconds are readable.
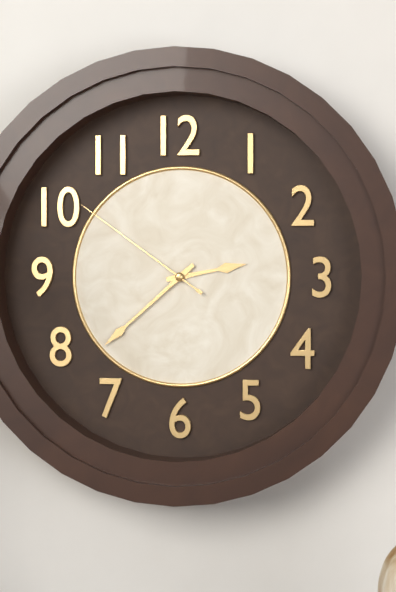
2.38.51
